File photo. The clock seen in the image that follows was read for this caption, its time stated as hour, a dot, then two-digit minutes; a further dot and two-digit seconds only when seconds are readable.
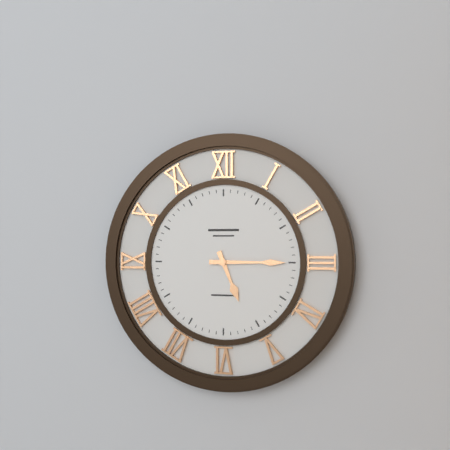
5.15
